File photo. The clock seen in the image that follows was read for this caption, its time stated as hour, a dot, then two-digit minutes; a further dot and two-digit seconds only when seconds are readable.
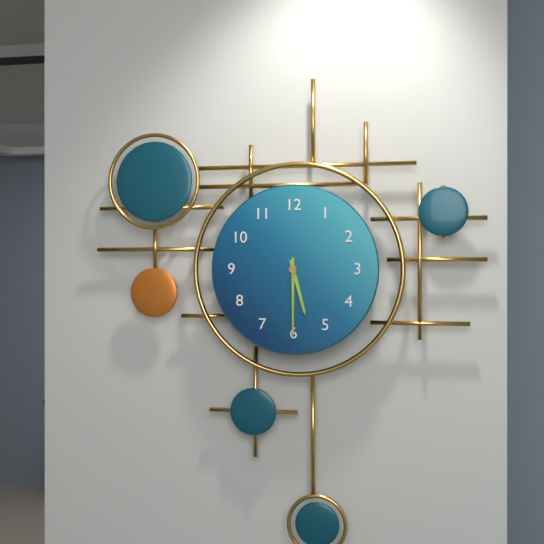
5.30
